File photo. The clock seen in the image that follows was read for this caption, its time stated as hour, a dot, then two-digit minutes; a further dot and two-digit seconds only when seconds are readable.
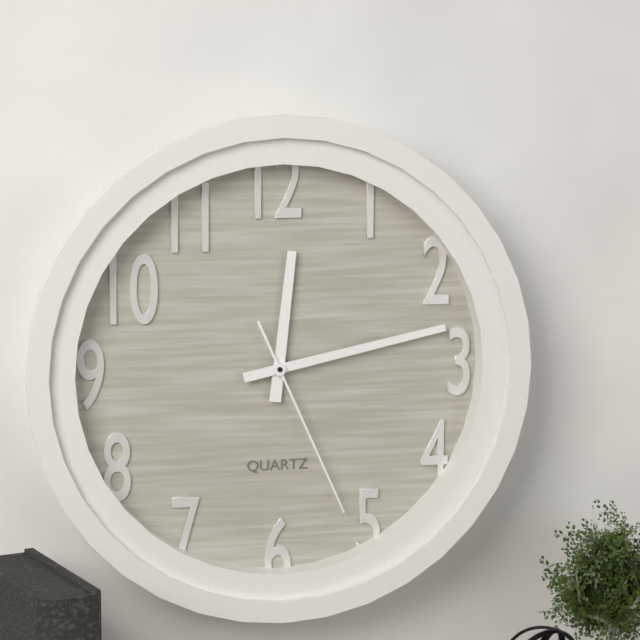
12.13.26
